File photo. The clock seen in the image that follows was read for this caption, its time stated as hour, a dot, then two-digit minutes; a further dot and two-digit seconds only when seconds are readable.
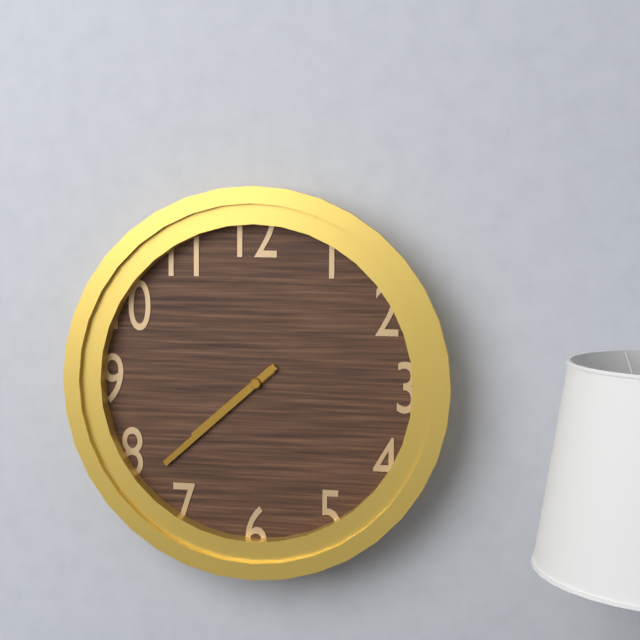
7.38
